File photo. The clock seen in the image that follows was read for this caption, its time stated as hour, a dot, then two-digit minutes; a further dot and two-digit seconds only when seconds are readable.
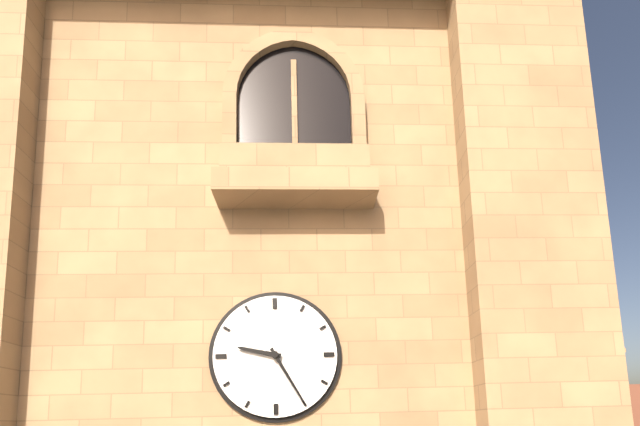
9.25
